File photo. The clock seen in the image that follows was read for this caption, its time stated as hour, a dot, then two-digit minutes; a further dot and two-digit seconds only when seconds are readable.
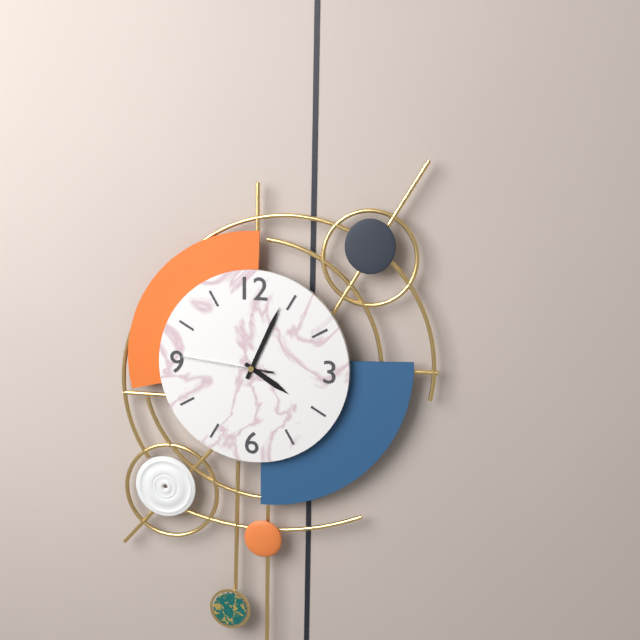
4.04.46
